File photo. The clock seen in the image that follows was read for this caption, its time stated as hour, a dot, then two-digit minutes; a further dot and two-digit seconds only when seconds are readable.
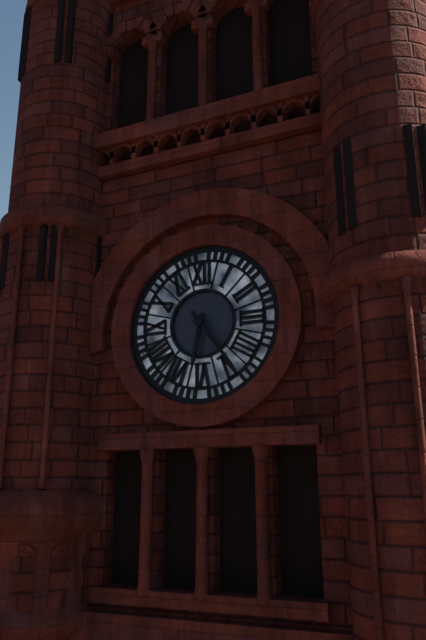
6.24
